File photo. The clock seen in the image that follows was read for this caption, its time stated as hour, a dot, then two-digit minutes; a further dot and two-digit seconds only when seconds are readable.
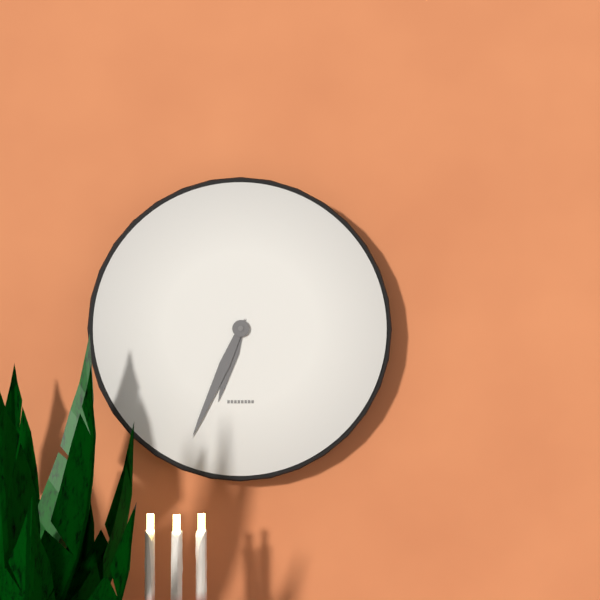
6.34
